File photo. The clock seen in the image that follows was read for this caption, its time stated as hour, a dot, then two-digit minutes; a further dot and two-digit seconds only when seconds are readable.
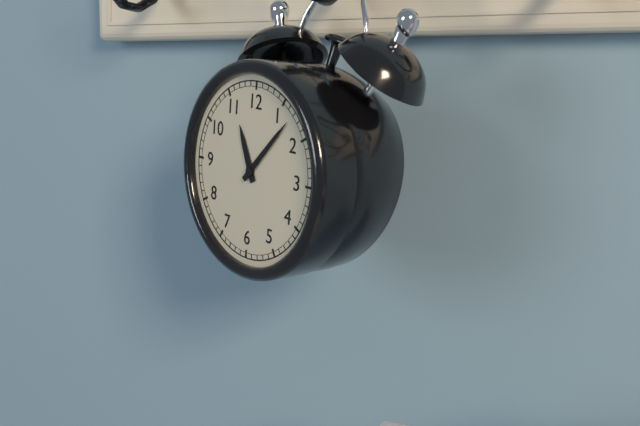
11.07
